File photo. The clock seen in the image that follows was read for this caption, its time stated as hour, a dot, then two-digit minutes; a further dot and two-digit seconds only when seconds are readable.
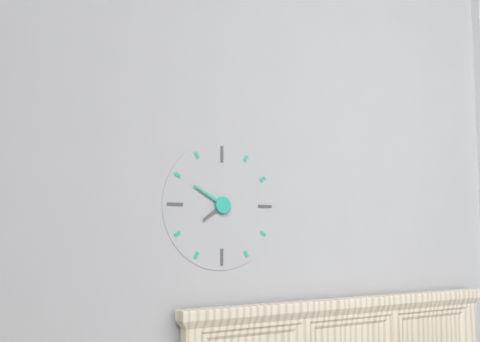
7.50
